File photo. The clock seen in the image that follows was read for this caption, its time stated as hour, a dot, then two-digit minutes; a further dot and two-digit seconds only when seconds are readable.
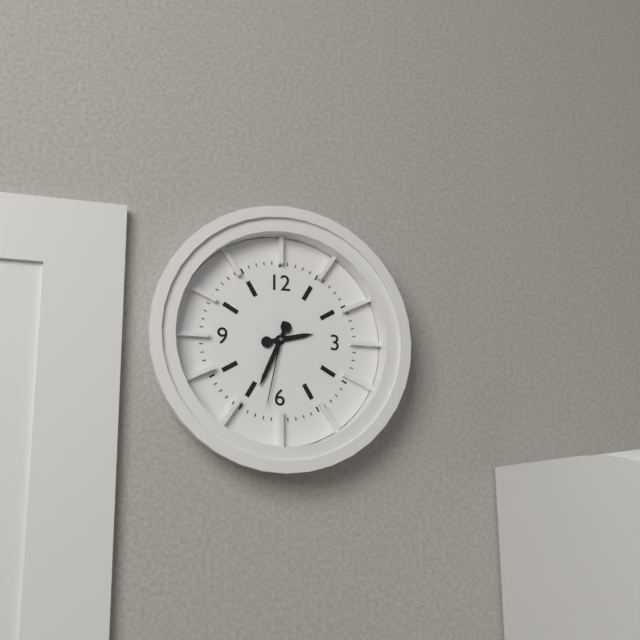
2.34.32
